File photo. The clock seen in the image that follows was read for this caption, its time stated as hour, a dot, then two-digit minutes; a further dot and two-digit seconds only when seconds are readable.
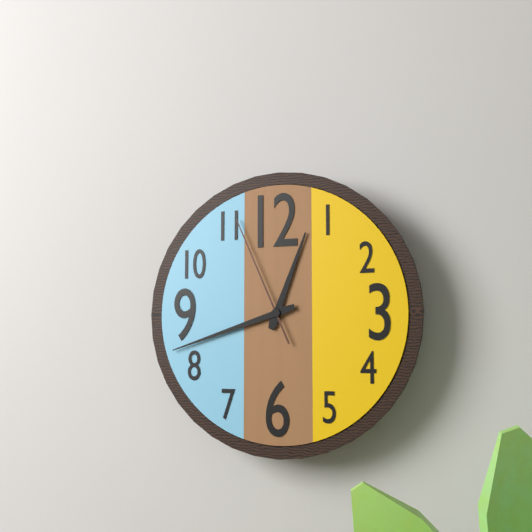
12.42.56
